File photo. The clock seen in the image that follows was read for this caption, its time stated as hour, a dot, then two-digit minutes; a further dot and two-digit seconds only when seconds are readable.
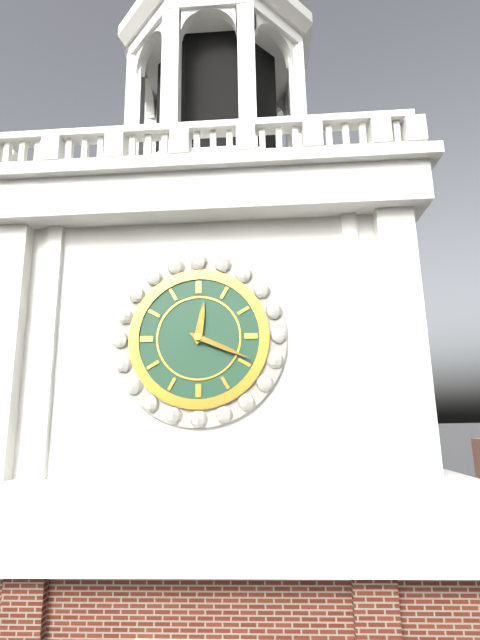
12.19
